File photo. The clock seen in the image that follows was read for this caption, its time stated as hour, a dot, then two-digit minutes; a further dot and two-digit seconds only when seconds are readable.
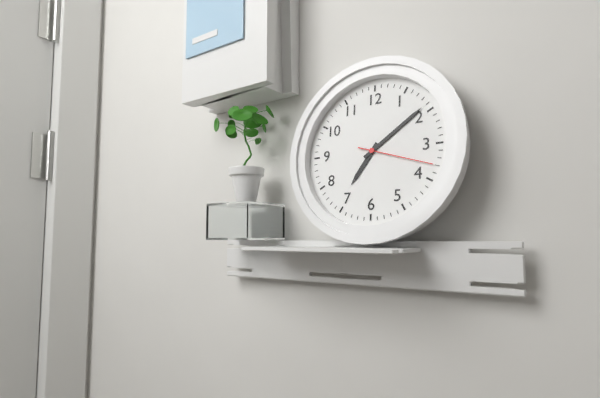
7.09.18
